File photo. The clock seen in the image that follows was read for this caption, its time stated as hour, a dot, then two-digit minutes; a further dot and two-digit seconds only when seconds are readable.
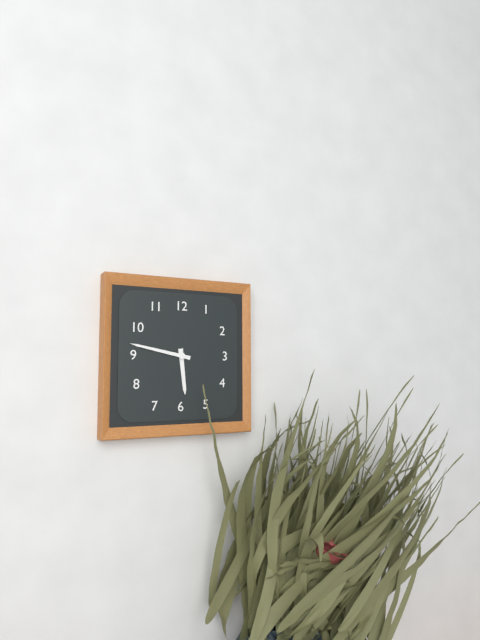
5.47
